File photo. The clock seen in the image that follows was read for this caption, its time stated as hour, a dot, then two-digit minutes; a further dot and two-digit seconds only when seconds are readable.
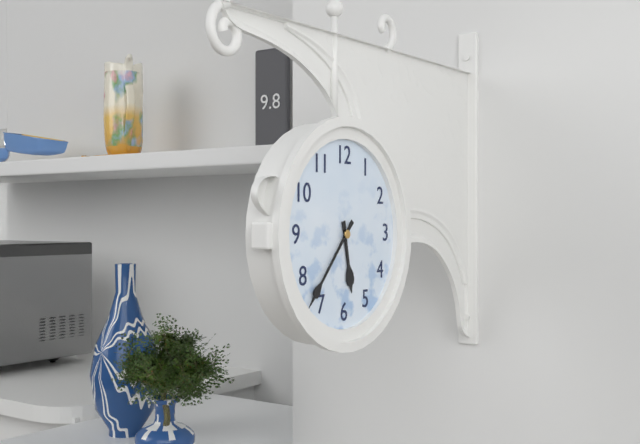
5.37
